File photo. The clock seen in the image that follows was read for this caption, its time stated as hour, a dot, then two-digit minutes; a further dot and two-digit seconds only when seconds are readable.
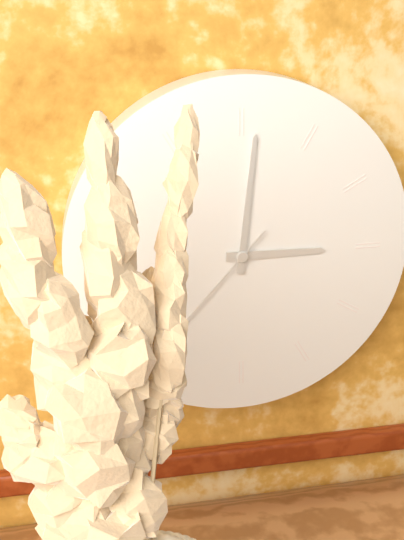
3.01
